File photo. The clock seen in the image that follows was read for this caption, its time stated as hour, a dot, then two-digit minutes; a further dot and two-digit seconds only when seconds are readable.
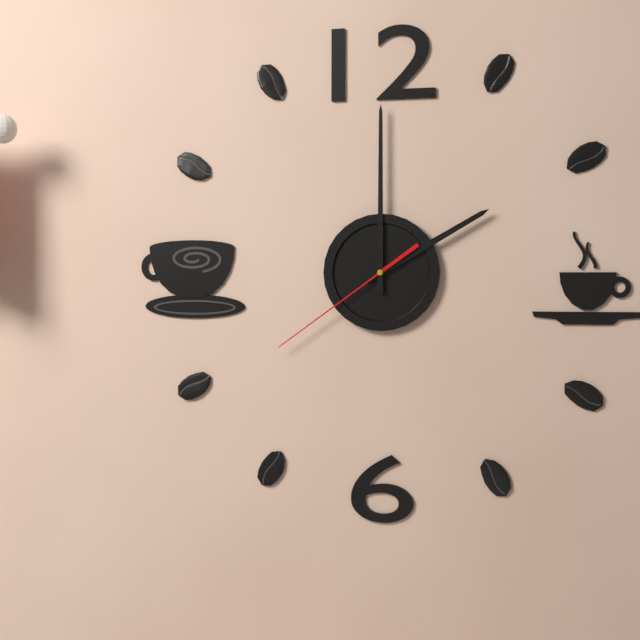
2.00.39
